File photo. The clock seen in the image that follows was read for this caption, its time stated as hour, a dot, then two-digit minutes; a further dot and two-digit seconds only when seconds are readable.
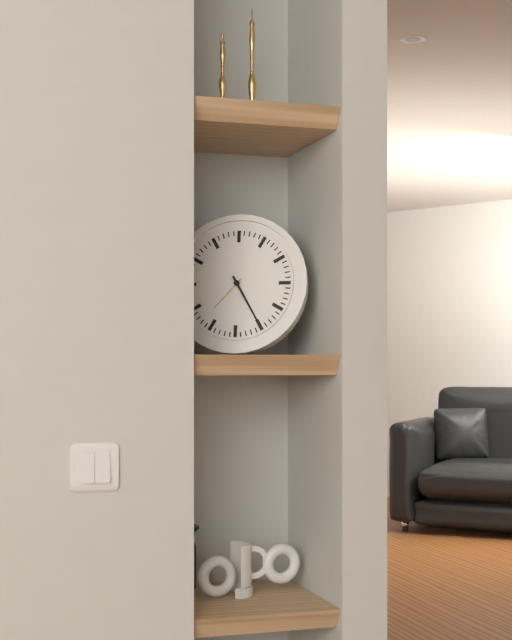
7.25
